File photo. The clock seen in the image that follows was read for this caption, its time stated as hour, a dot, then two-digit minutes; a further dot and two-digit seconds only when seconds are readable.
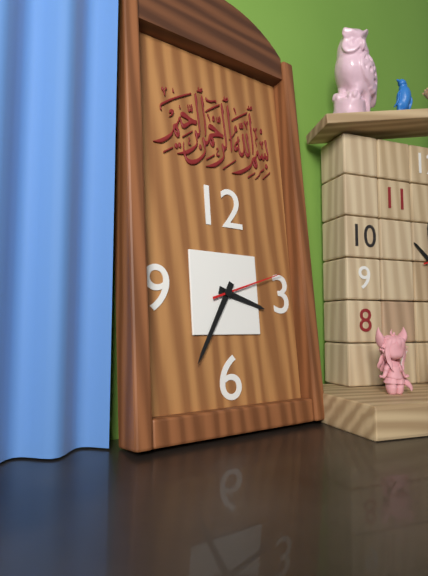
3.35.12
